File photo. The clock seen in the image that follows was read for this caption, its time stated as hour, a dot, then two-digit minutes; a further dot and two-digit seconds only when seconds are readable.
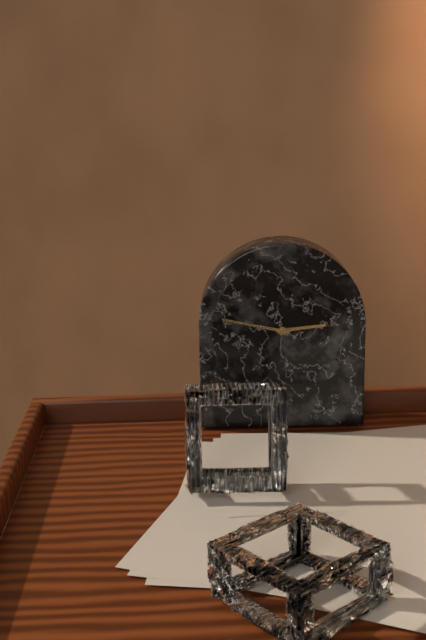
2.47
